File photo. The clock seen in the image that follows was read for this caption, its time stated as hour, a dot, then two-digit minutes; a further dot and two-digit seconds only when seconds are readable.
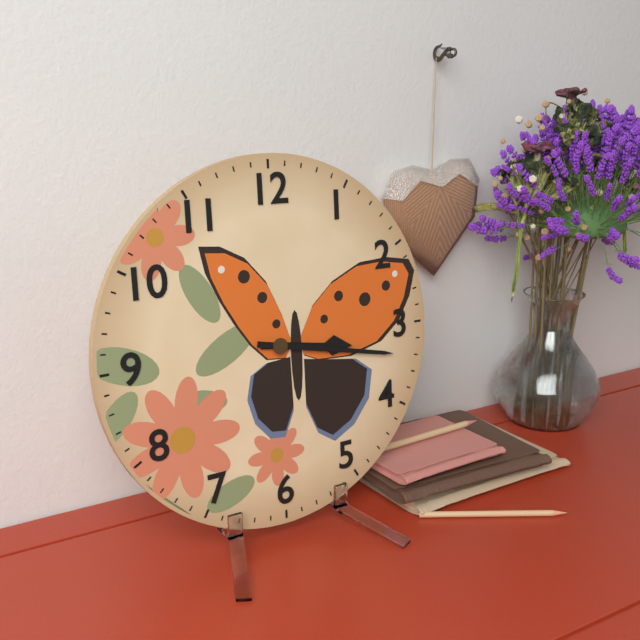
3.17
